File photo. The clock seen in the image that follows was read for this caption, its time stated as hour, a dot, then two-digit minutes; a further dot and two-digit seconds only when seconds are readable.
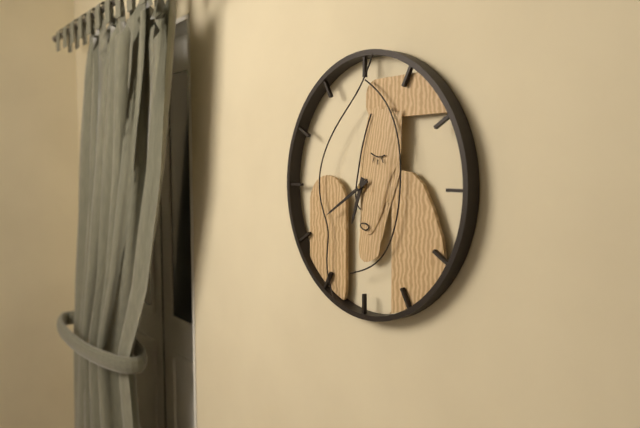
6.40
